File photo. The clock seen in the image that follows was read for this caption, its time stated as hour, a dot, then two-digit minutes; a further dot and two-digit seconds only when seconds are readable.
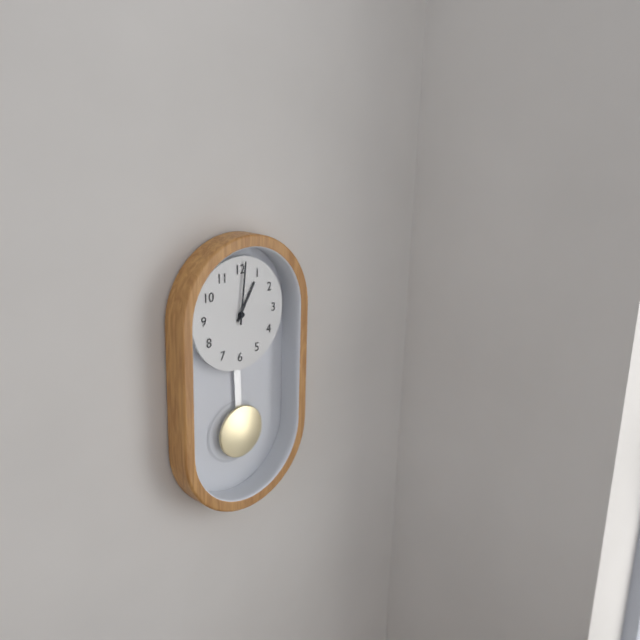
1.01
